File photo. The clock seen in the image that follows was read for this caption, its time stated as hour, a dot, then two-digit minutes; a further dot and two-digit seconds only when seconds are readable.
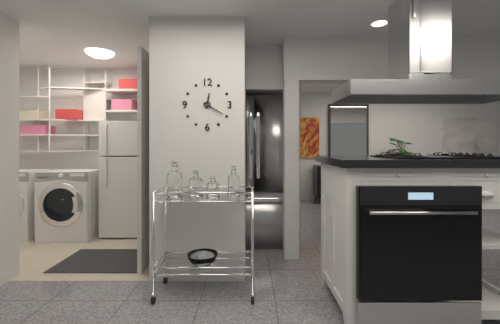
12.20
